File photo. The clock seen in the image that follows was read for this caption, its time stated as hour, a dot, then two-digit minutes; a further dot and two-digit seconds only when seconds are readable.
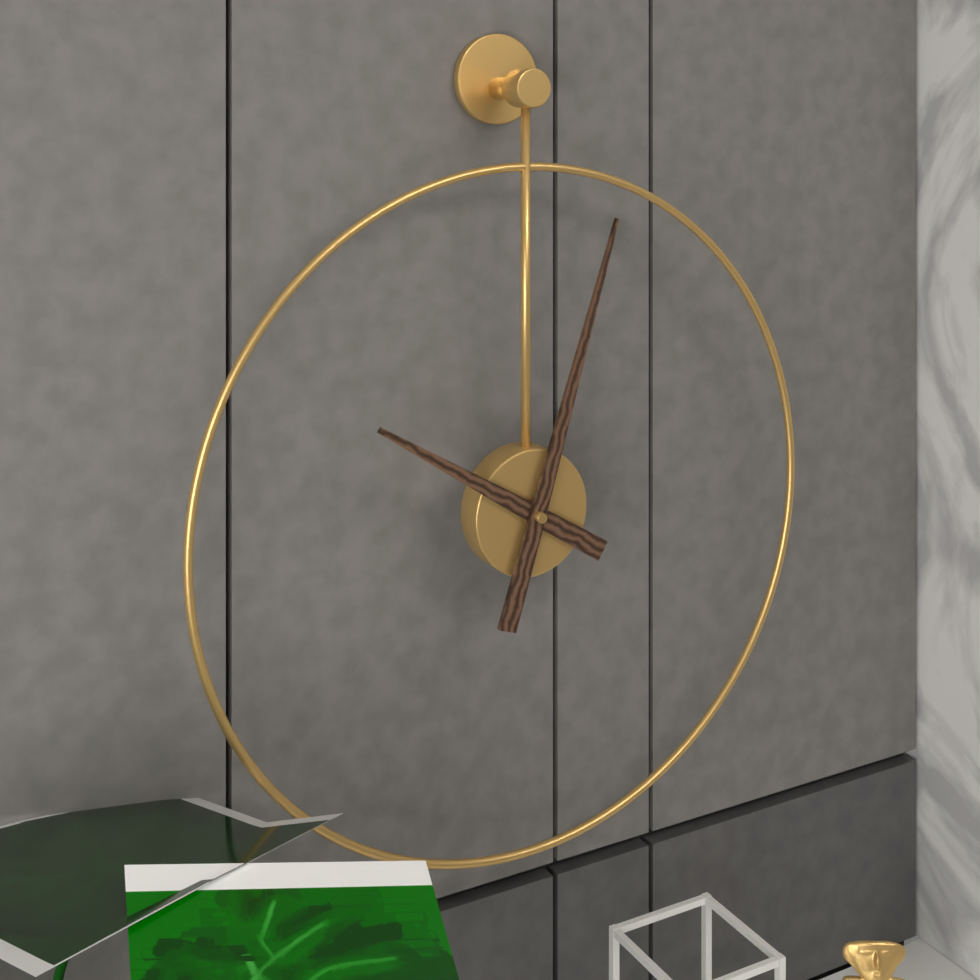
10.03
